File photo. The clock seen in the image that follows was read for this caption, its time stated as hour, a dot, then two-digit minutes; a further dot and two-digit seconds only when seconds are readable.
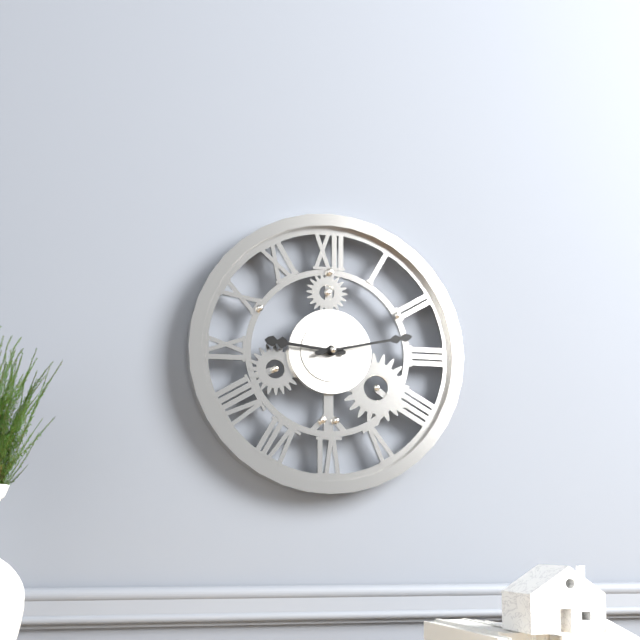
9.13
